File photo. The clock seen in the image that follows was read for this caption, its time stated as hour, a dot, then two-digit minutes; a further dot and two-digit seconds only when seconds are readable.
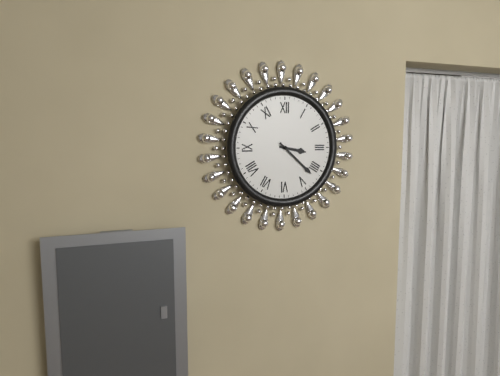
3.22
